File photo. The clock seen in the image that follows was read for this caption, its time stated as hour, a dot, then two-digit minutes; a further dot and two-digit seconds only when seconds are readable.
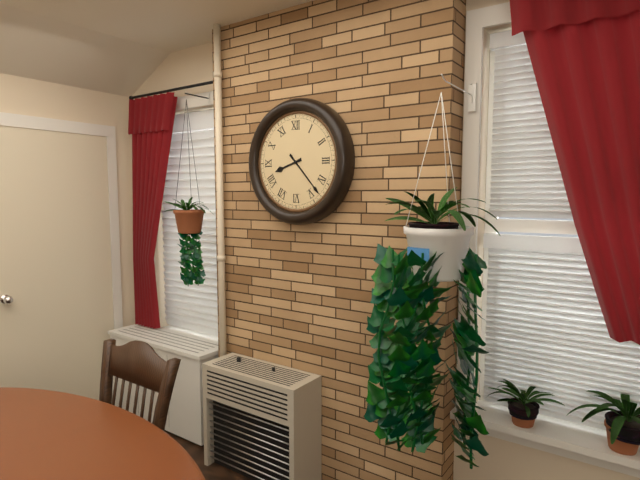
8.23
